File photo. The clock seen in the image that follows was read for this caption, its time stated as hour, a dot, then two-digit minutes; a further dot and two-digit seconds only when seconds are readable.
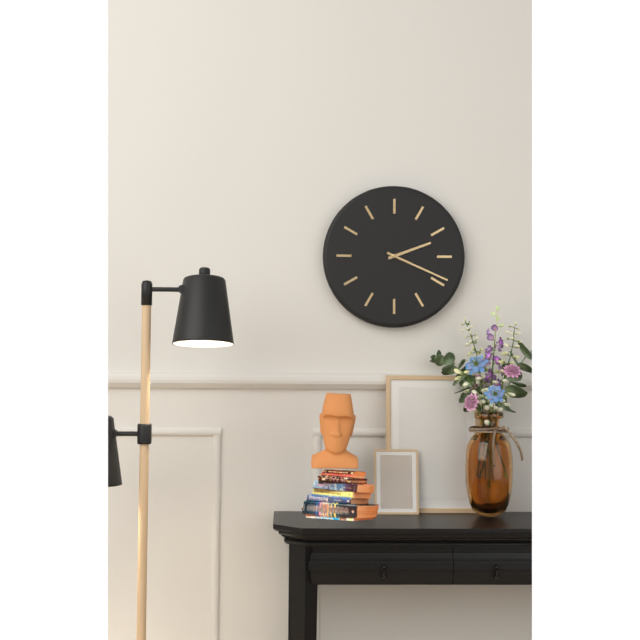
2.19
